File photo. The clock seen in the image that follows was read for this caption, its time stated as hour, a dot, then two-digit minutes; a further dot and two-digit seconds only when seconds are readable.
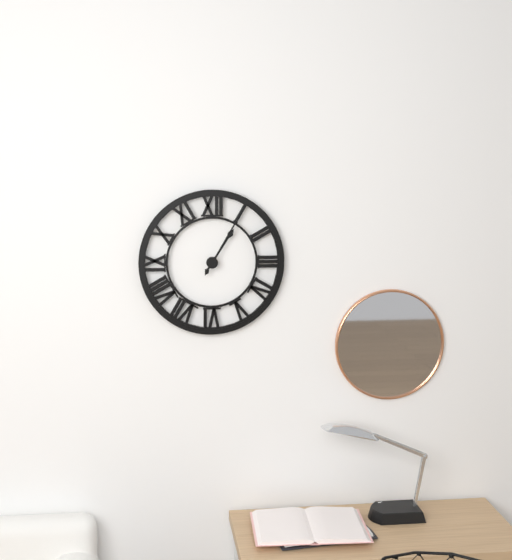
1.05
